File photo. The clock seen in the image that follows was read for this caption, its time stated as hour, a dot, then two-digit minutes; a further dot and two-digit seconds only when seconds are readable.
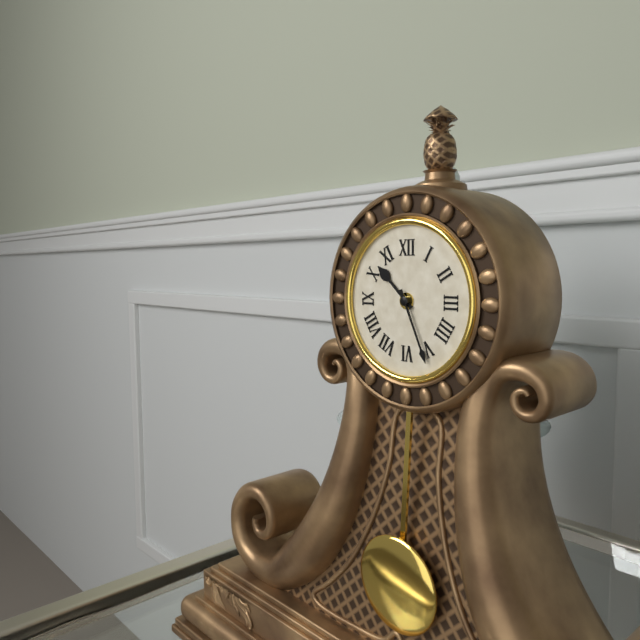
10.26
